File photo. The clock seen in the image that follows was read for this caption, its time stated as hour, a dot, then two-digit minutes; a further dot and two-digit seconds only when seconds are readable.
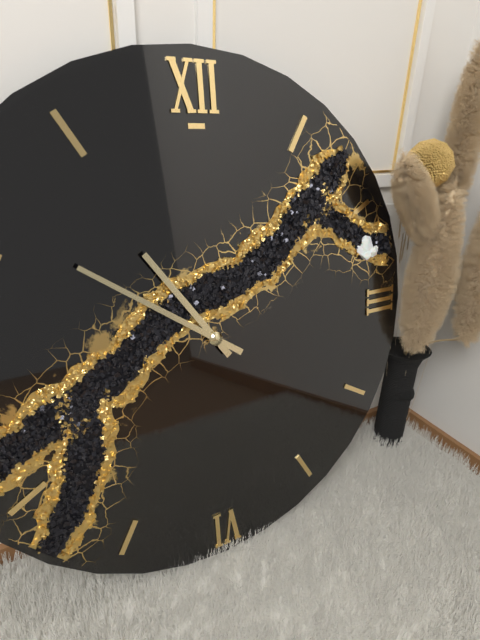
10.51
